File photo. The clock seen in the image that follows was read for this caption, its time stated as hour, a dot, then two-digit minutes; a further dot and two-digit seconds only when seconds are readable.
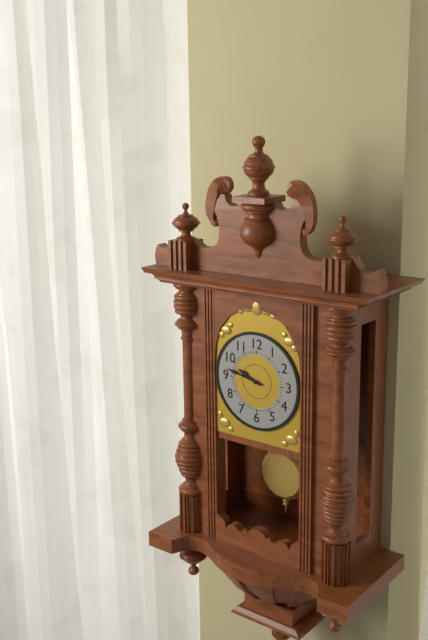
9.47
